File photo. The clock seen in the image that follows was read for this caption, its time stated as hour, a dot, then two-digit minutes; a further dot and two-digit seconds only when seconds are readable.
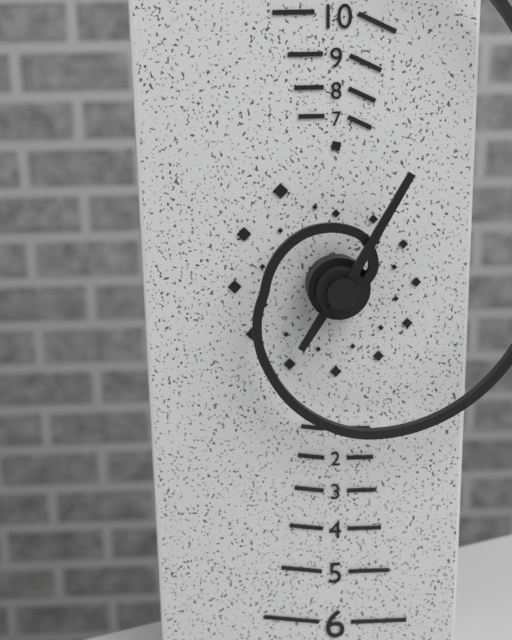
7.05
